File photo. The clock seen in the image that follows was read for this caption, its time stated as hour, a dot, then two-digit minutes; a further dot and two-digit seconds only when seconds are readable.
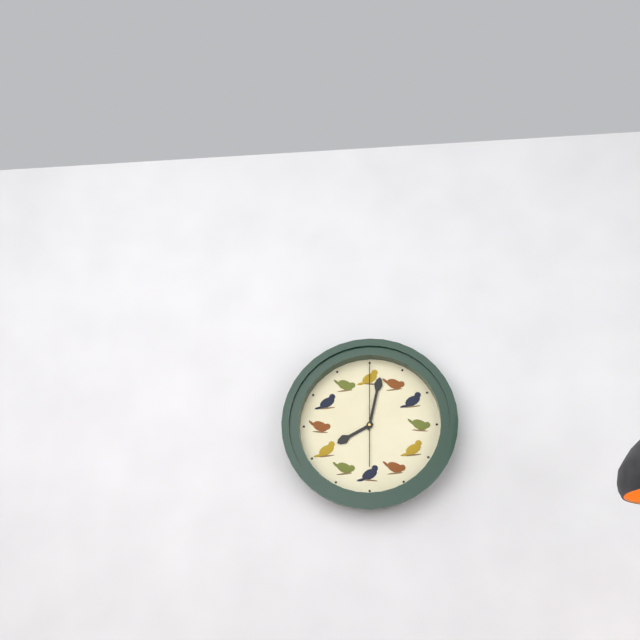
8.02.00
